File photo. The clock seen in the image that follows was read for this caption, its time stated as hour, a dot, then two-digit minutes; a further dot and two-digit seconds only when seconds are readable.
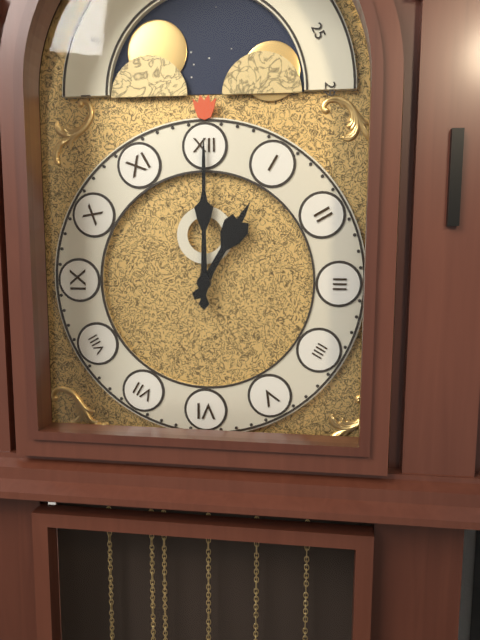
1.00
